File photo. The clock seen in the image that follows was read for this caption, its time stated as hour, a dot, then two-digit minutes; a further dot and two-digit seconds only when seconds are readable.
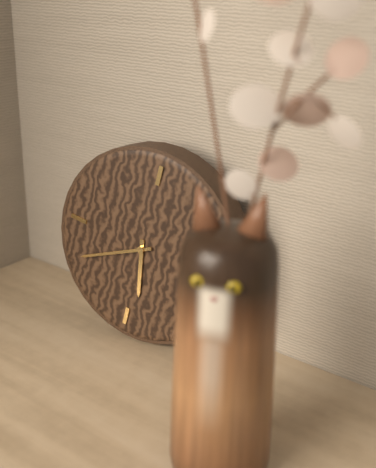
5.40
